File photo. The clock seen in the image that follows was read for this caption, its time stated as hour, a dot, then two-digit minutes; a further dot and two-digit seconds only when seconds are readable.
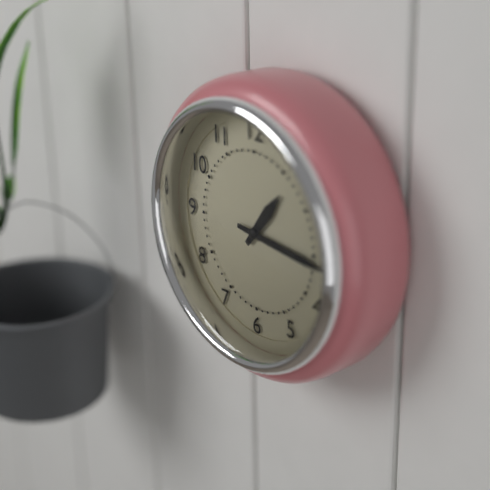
1.16
